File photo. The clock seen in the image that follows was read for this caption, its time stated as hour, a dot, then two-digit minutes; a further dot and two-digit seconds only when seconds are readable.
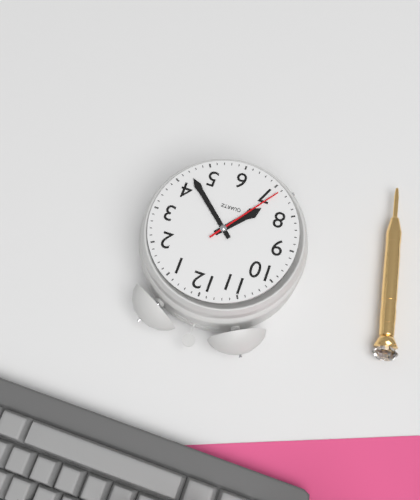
7.22.36
